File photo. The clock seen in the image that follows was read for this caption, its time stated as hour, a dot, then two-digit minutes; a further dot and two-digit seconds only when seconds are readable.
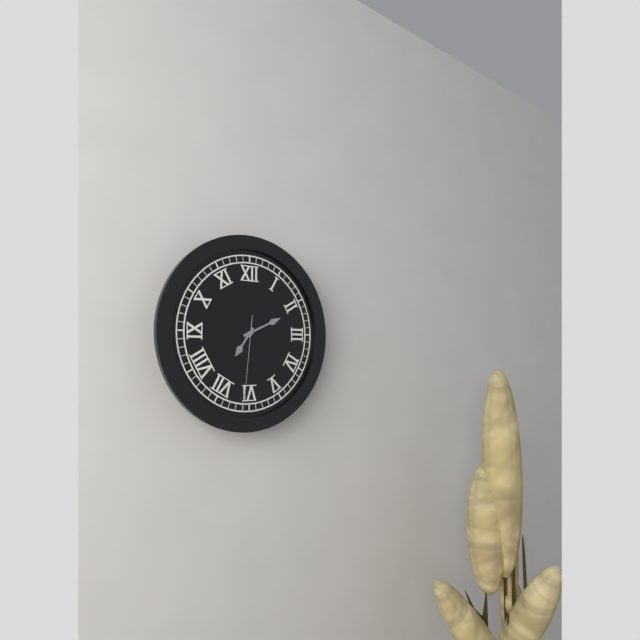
7.11.31
